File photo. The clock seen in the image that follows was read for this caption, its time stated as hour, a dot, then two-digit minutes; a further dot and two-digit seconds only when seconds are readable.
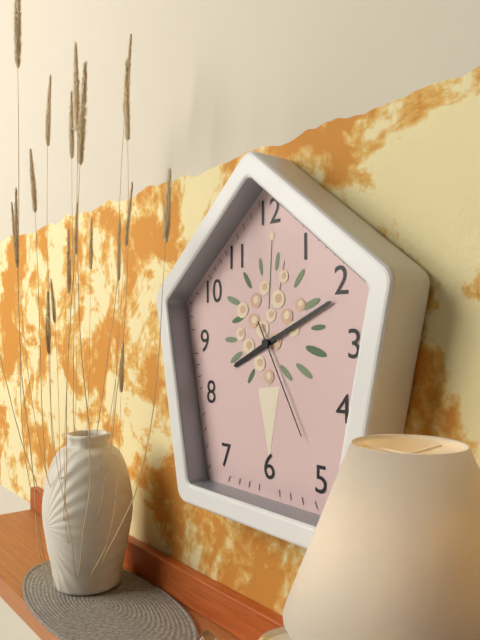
8.11.25
